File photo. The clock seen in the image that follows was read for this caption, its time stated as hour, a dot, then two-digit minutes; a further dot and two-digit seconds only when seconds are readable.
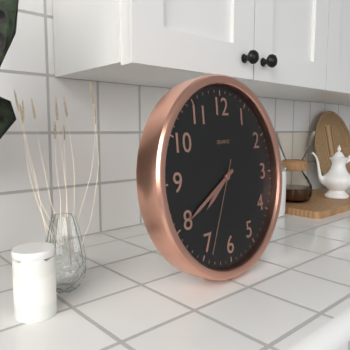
7.40.34
